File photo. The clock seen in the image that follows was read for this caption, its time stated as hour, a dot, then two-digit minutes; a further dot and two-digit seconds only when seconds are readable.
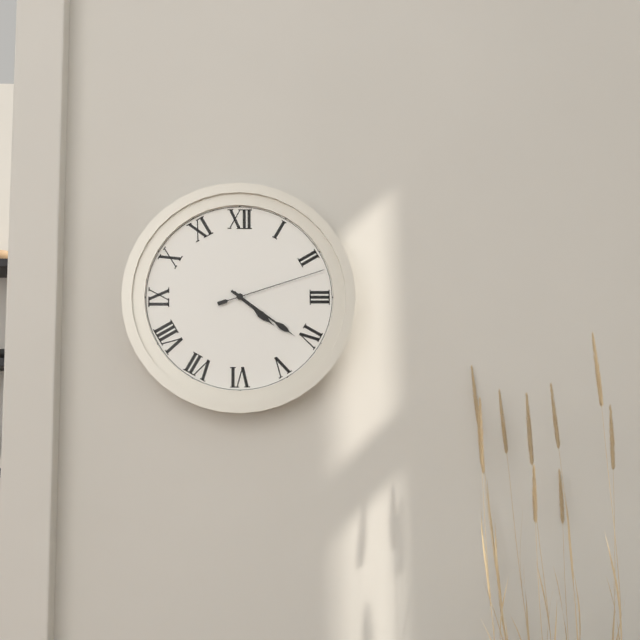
4.21.12
